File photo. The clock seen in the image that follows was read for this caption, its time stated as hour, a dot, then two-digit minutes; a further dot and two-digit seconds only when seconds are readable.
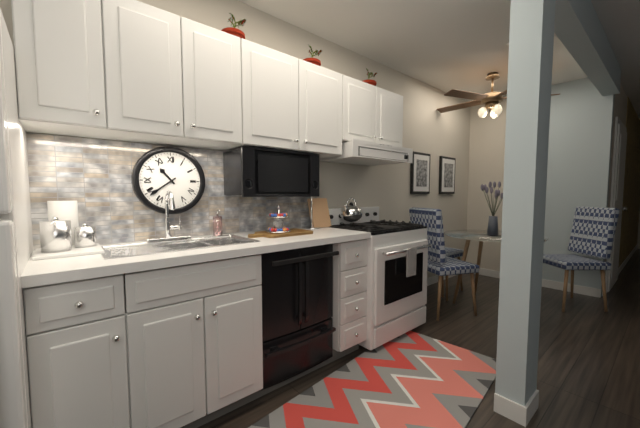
10.39
